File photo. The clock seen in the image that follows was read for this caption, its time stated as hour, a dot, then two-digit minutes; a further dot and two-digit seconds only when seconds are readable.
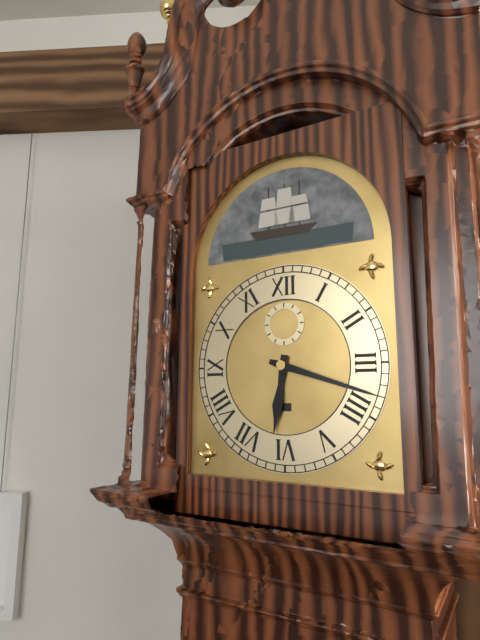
6.18
